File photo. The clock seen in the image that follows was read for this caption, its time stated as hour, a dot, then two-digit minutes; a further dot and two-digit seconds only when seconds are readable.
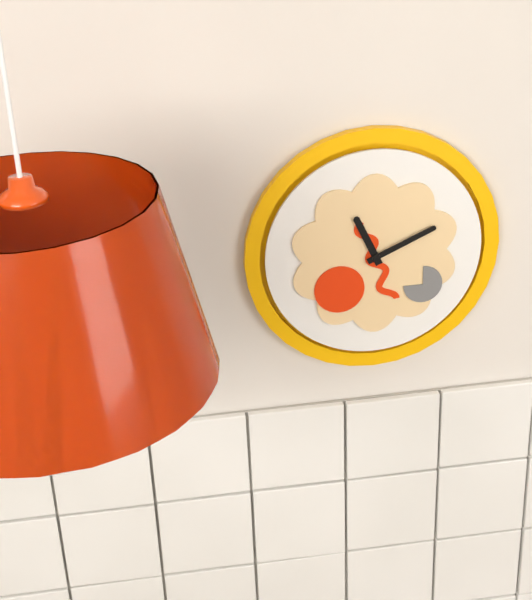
11.11
